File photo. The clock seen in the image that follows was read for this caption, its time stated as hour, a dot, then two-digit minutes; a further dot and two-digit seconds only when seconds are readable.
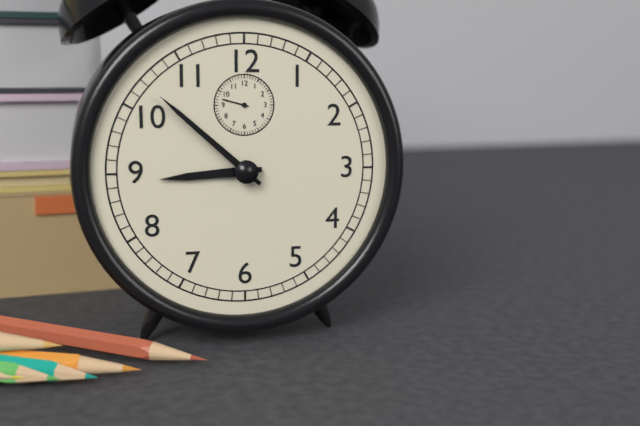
8.52
